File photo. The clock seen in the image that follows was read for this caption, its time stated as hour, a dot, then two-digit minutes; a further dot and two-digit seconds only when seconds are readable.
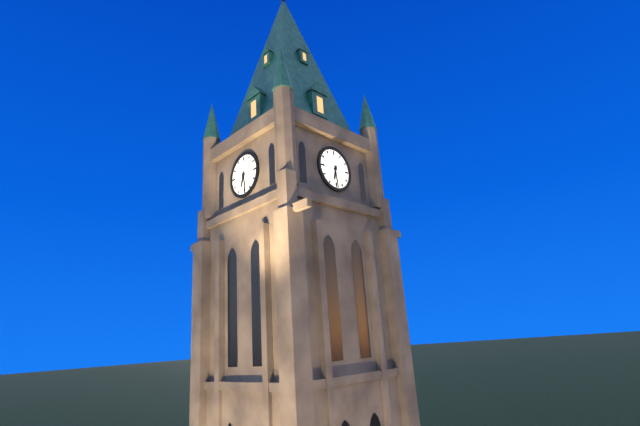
6.29
